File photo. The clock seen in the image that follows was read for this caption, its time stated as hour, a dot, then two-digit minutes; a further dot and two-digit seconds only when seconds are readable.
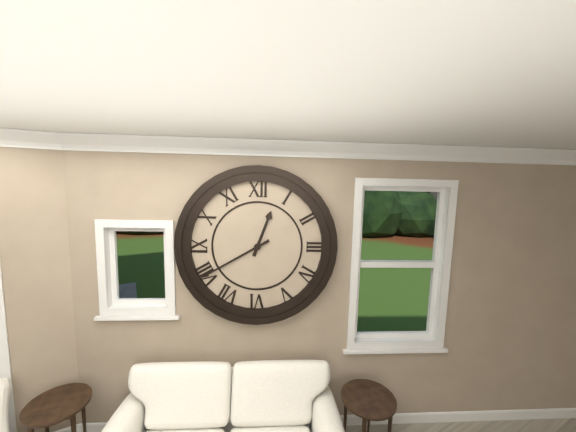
12.40
